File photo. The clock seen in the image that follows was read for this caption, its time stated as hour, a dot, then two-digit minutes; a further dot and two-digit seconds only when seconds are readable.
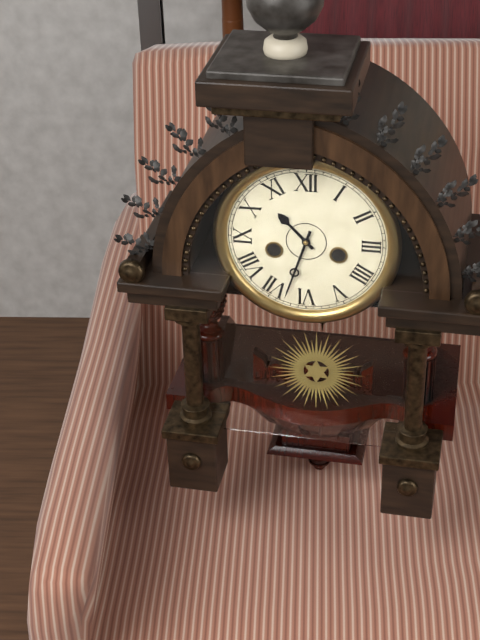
10.33
